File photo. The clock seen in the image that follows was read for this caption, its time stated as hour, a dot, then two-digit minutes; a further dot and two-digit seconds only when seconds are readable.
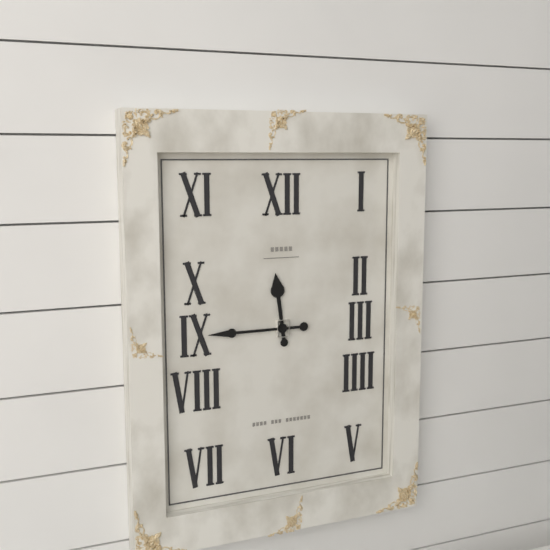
11.45
